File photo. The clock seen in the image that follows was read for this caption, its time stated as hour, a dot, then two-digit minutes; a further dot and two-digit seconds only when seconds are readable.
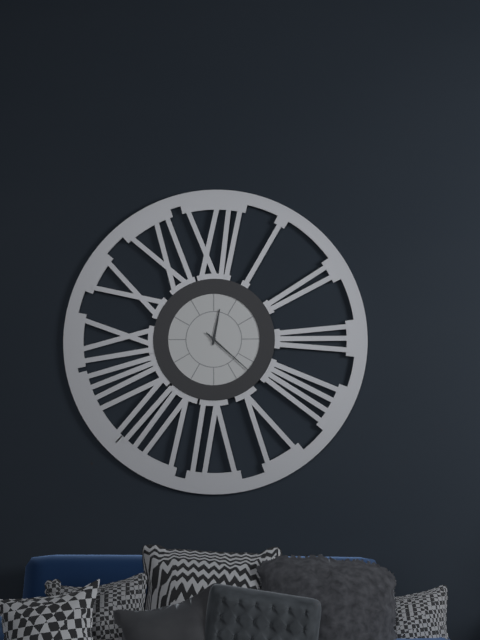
12.22
